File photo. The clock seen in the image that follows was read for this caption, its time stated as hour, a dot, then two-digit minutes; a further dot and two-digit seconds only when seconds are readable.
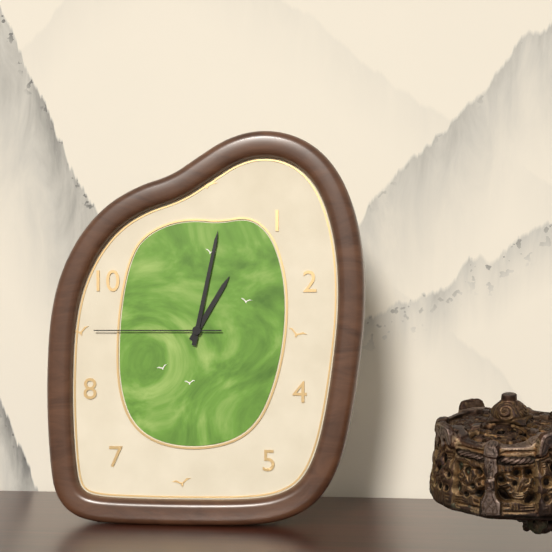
1.02.45
